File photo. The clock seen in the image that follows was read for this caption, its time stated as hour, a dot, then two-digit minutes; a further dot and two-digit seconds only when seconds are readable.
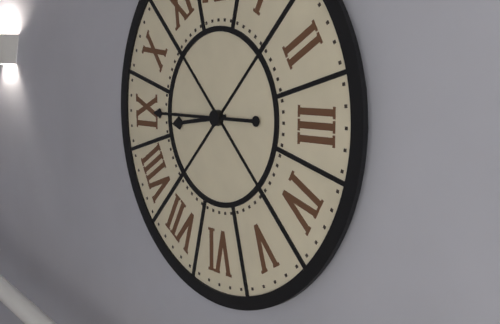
8.45
